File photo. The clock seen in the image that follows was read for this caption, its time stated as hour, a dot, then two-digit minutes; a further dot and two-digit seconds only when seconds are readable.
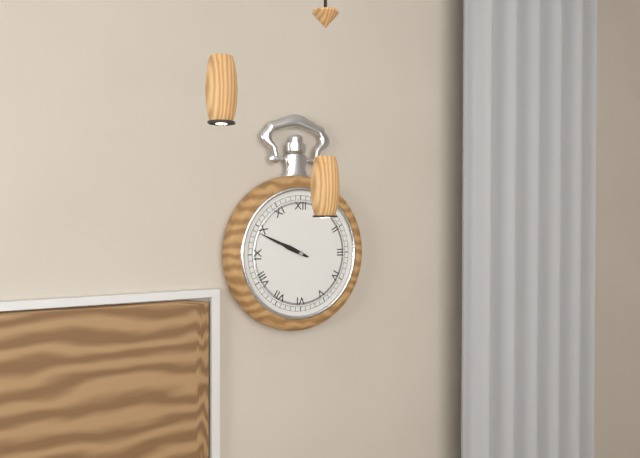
9.49
